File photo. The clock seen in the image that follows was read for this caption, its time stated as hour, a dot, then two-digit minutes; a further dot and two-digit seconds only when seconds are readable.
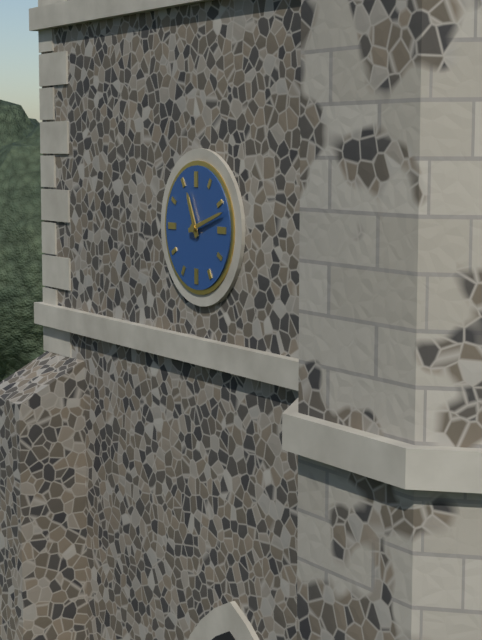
11.12
